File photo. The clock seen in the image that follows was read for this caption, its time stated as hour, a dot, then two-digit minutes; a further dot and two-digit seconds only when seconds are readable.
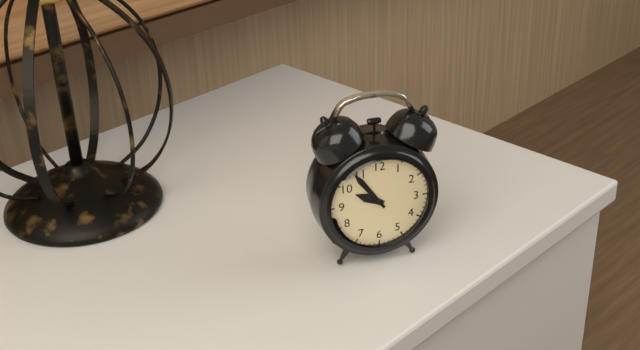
9.54
